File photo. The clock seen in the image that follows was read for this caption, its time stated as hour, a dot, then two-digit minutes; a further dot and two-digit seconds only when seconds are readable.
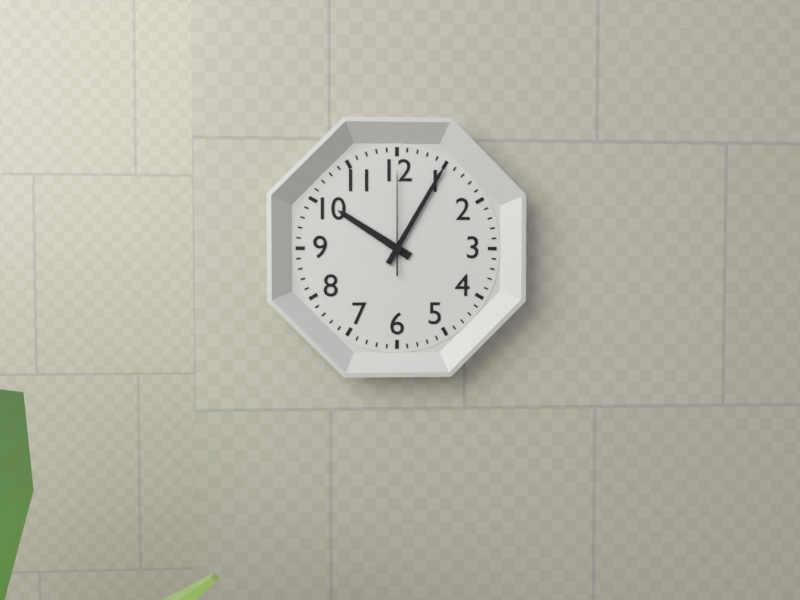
10.05.00
